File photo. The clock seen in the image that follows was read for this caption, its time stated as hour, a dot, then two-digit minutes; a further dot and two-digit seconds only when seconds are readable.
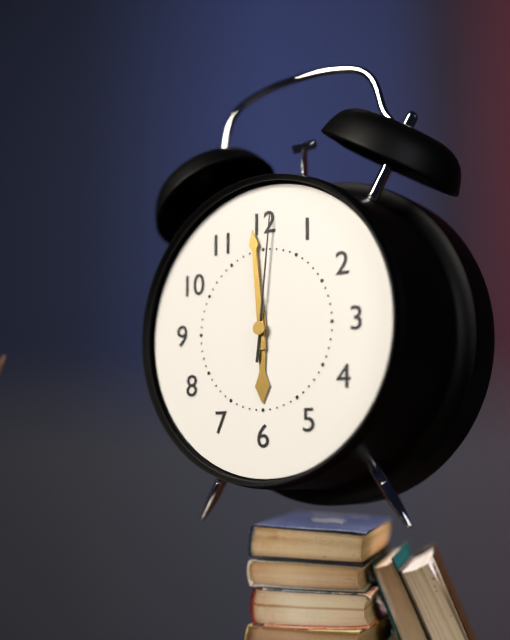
5.59.01
